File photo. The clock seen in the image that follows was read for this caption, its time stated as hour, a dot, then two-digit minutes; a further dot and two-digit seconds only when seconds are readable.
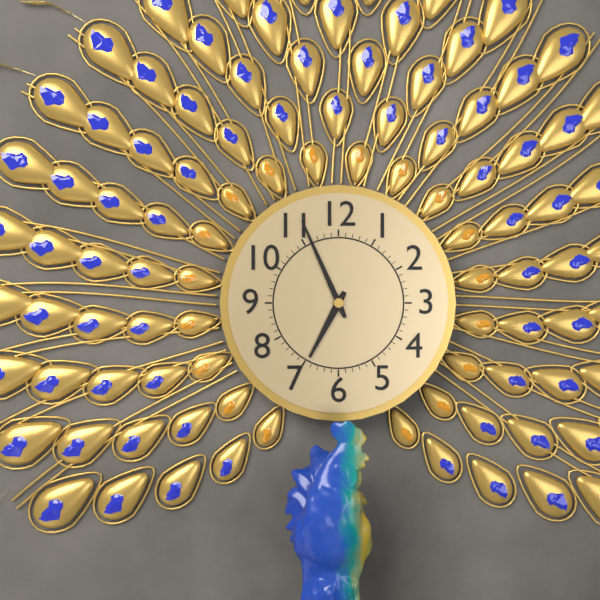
6.56
